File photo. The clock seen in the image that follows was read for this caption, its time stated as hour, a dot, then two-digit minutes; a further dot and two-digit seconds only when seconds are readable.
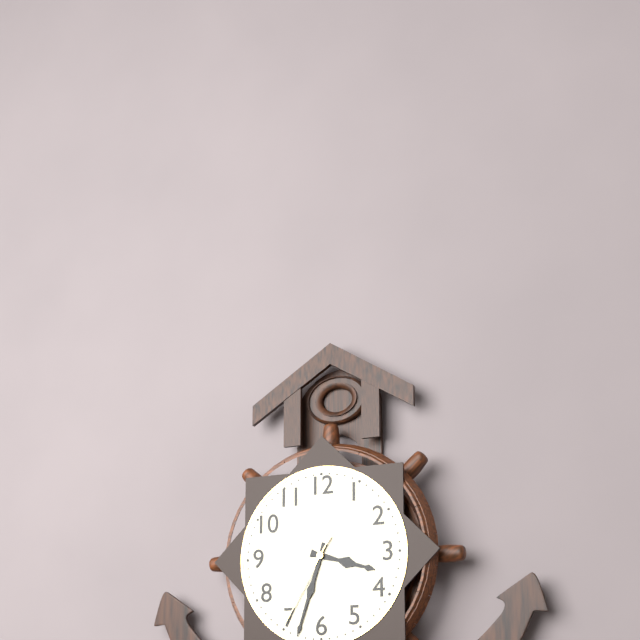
3.33.35
